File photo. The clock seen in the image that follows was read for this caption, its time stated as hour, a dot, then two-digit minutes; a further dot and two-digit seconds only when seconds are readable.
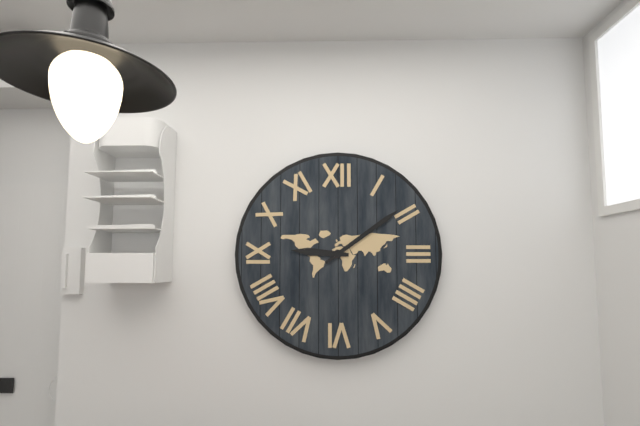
9.09
